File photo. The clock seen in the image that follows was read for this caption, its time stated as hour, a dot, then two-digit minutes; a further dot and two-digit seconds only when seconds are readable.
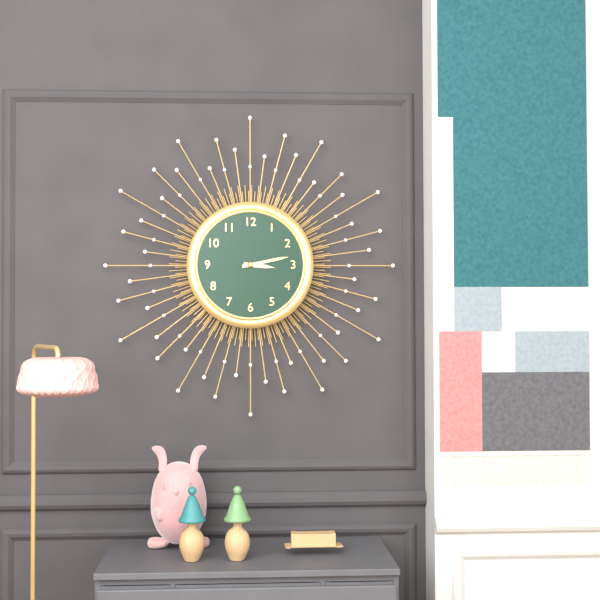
3.13
